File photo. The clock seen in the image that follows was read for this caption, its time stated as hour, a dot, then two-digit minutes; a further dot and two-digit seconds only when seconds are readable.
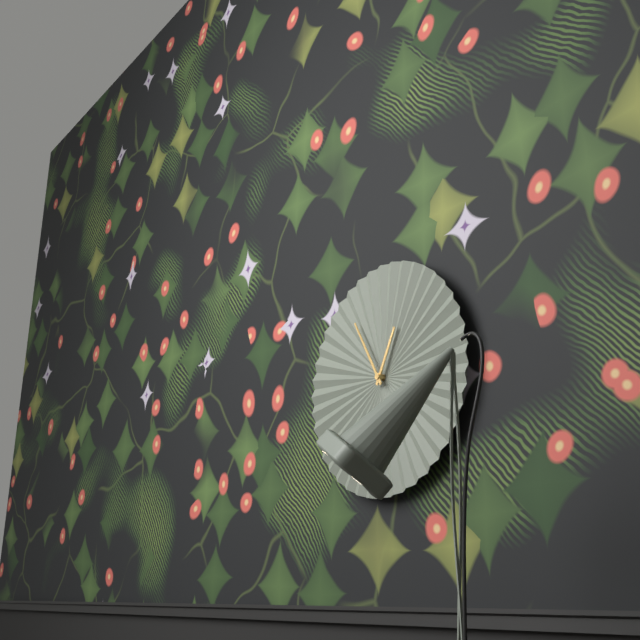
12.55
